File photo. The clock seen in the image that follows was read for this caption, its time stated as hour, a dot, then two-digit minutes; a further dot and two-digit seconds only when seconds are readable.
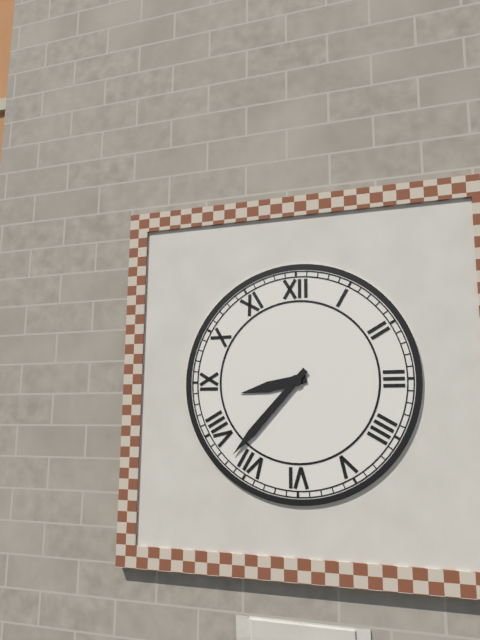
8.37
